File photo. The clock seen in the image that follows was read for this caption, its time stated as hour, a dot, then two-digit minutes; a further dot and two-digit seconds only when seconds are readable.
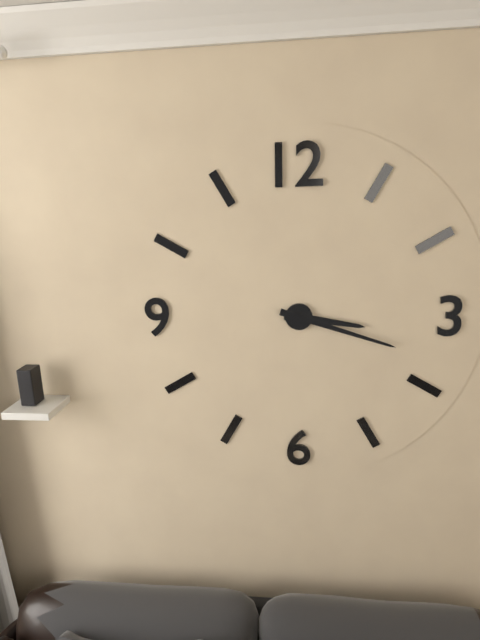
3.18
